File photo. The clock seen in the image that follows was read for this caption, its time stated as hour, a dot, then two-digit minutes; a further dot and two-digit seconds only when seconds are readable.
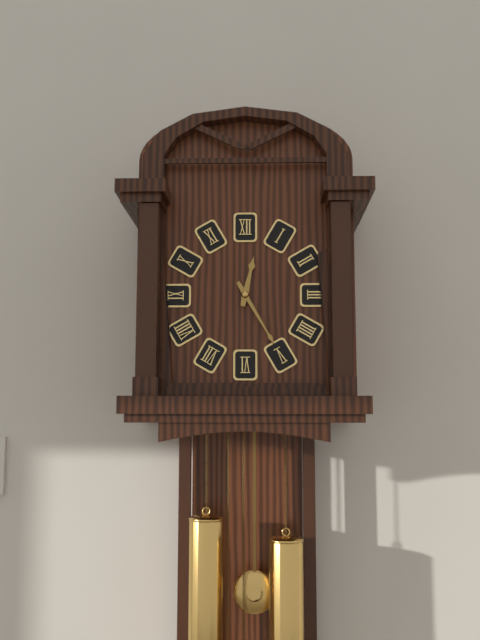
12.25
